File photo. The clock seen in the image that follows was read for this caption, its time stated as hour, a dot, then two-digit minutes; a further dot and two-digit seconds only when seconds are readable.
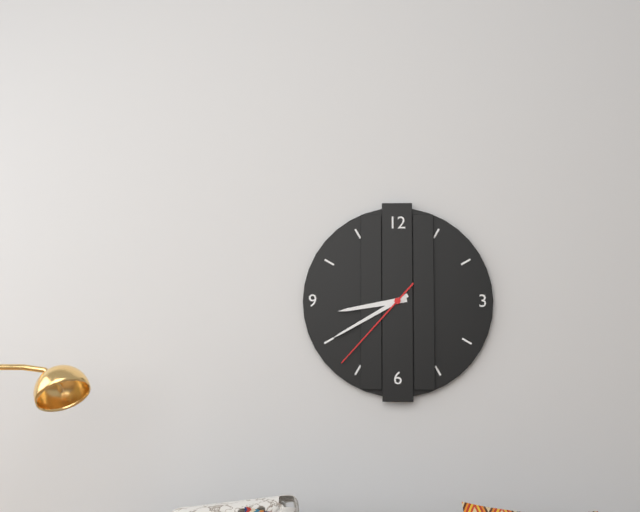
8.40.37
